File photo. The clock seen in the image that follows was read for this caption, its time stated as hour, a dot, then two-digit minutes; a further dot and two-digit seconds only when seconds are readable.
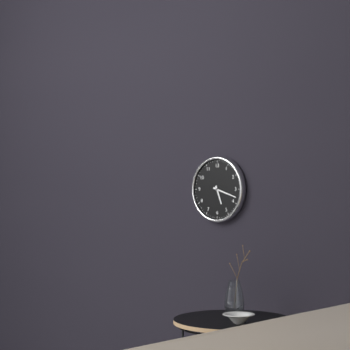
5.18
